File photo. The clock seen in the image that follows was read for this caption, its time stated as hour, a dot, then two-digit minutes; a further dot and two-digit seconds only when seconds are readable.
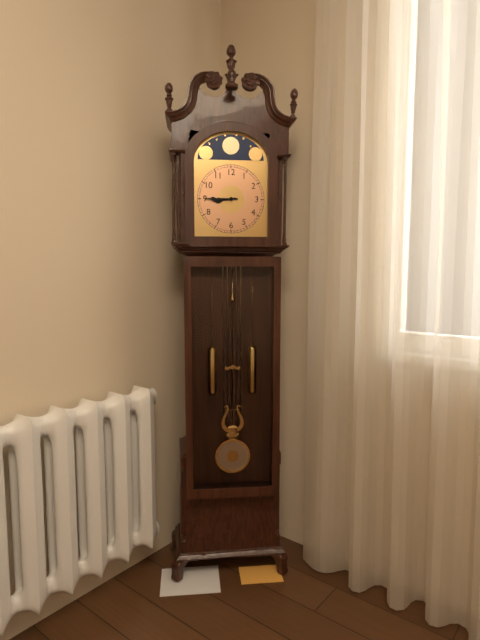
8.45
